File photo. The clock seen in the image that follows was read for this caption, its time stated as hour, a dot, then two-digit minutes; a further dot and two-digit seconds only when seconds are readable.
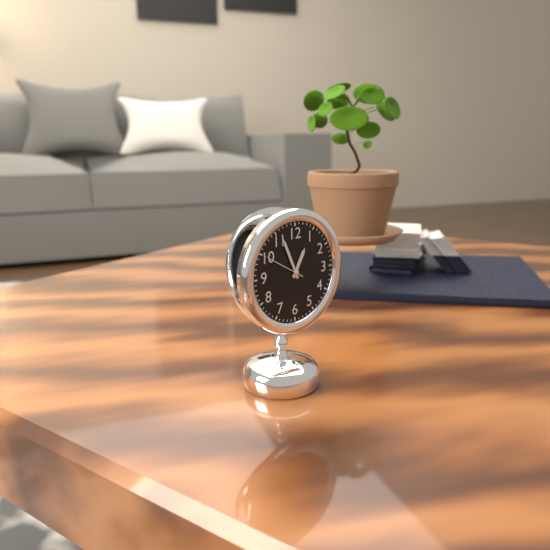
12.56
